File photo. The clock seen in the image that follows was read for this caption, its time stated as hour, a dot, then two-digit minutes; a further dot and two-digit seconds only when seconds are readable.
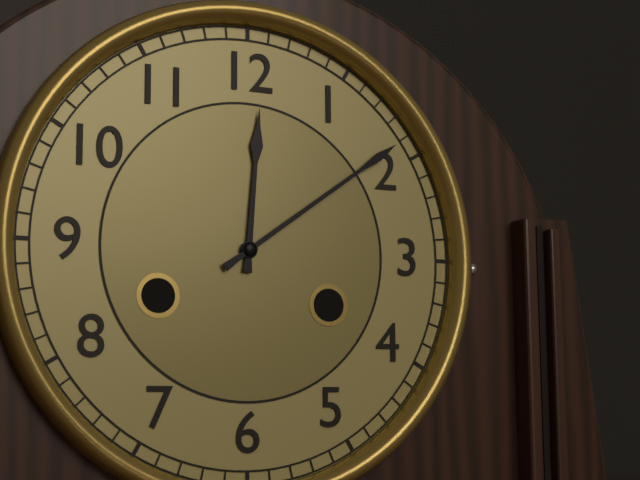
12.09
